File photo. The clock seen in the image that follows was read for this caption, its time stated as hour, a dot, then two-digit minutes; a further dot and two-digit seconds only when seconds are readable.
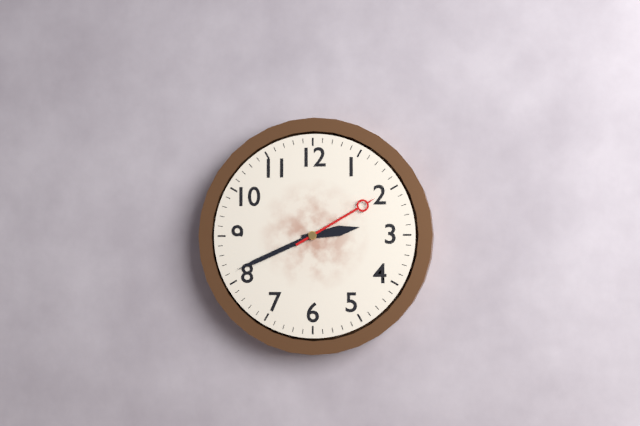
2.41.10
